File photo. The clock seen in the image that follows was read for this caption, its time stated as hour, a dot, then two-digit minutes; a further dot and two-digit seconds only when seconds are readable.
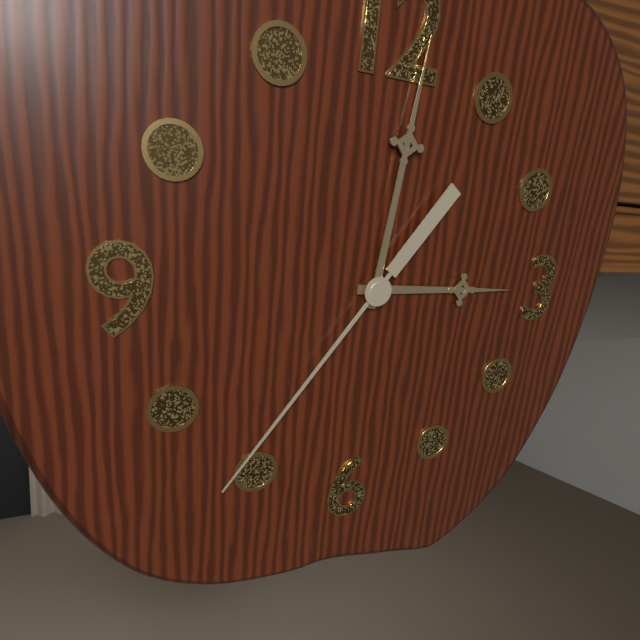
3.01.36
